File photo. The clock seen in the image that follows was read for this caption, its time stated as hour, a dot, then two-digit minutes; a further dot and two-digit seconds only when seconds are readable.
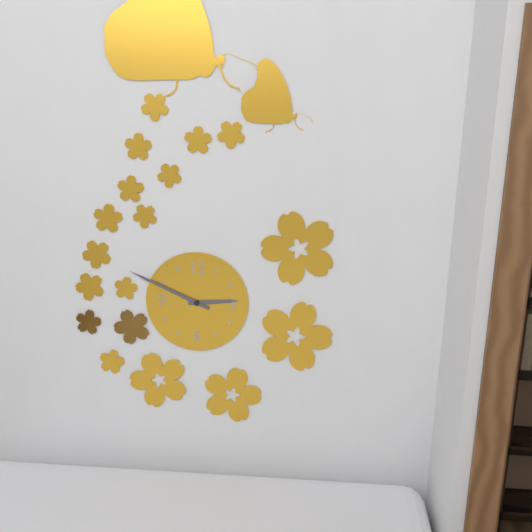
2.49
